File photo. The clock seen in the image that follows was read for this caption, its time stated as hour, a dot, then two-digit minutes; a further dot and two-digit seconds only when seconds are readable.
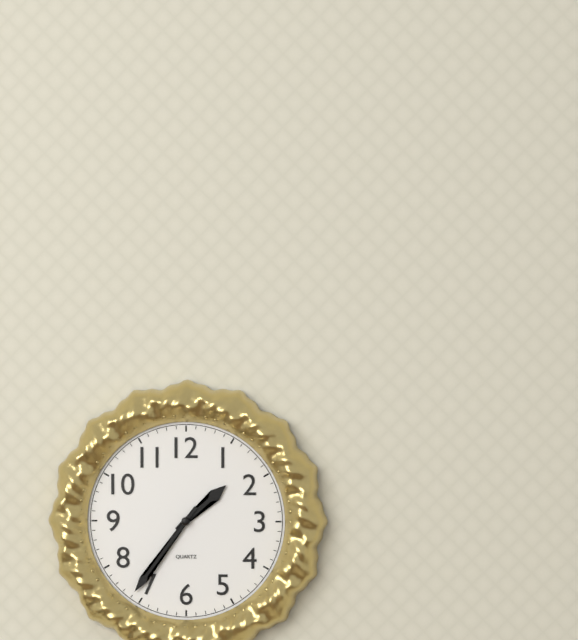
1.36
